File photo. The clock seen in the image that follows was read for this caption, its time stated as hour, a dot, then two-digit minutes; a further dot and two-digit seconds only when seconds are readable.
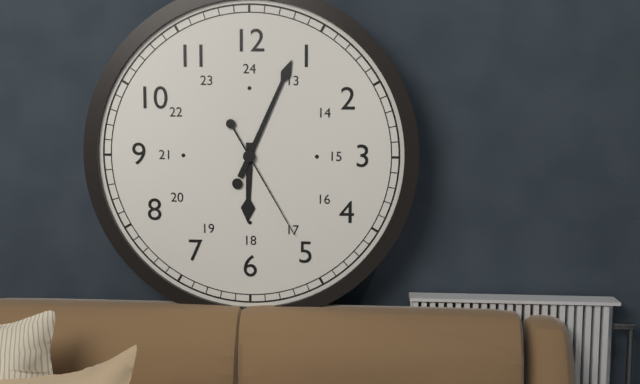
6.04.25
